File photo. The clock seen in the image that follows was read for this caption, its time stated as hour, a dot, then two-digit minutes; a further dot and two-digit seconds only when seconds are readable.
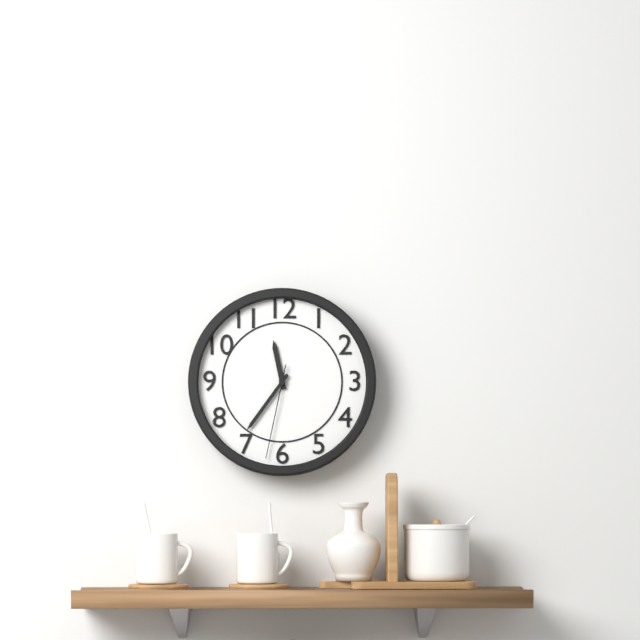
11.36.32
